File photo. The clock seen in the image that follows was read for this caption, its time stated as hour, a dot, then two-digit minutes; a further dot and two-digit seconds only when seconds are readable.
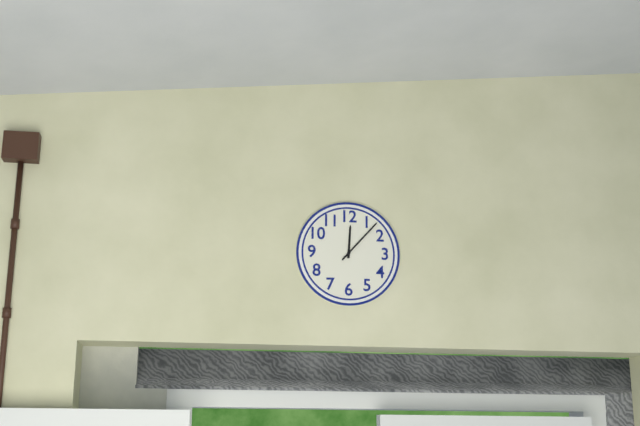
12.07
